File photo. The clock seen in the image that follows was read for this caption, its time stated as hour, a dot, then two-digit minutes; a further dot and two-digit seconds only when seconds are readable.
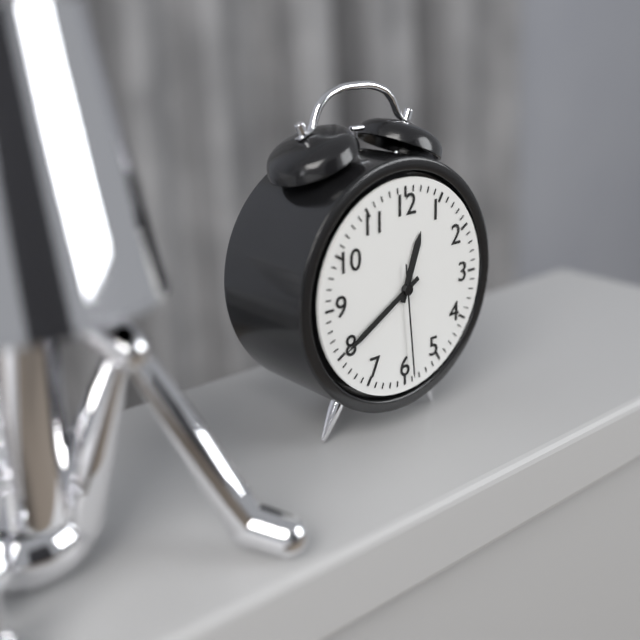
12.40.29
